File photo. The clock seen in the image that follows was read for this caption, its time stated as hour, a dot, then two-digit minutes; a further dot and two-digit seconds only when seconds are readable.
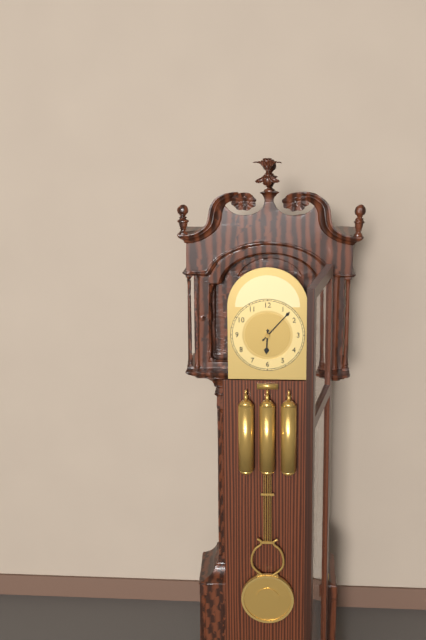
6.07
